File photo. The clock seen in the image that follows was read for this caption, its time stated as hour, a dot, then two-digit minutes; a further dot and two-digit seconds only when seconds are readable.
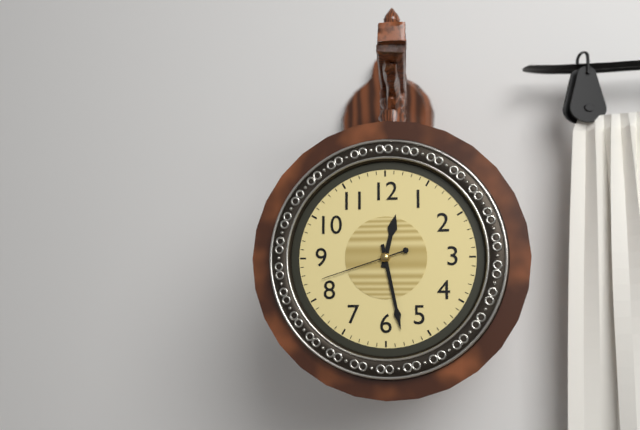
12.28.42
